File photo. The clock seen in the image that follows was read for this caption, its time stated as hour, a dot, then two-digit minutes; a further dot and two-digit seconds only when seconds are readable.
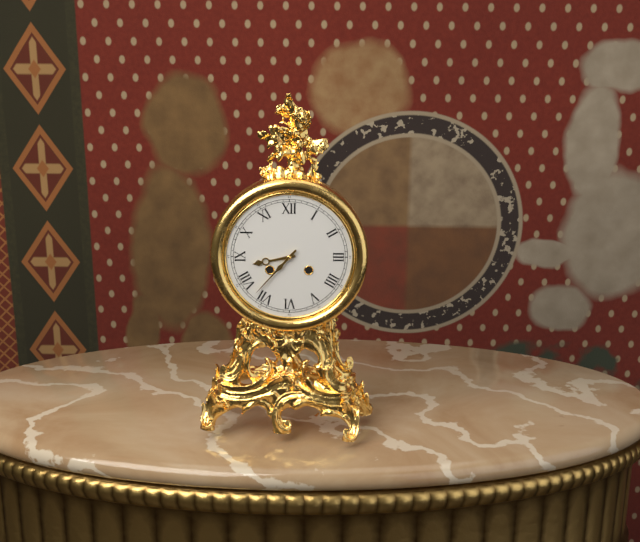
8.37
